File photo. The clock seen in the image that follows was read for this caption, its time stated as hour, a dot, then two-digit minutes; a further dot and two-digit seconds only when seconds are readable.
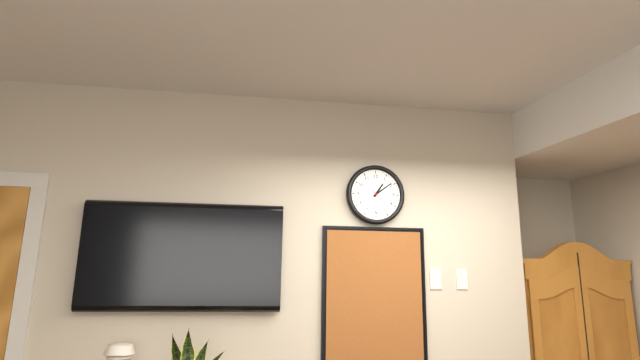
1.09
